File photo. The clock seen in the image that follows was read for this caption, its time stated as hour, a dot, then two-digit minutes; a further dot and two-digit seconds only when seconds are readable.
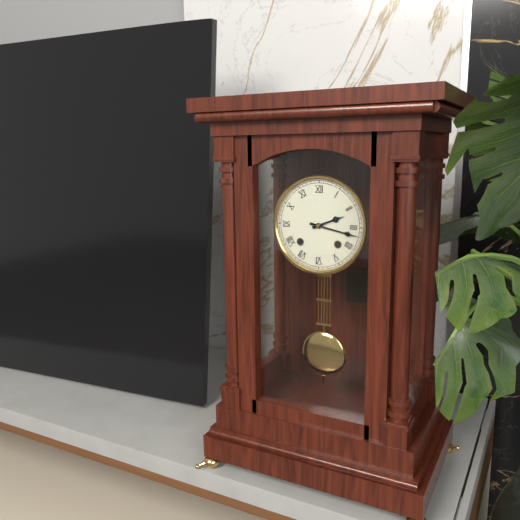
2.17
